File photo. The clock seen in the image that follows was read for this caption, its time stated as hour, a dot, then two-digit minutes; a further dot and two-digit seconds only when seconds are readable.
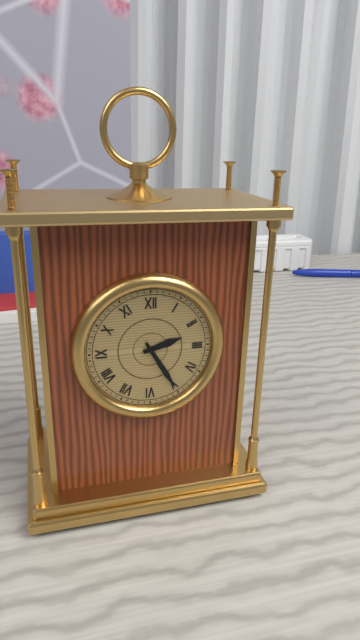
2.25
